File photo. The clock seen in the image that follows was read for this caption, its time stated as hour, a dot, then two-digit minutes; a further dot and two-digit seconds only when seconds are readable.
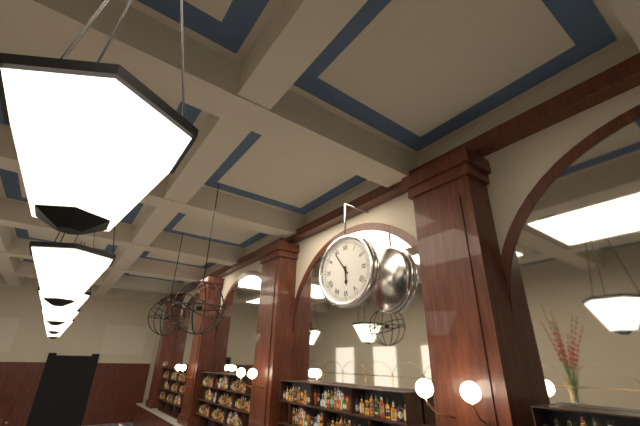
5.54
